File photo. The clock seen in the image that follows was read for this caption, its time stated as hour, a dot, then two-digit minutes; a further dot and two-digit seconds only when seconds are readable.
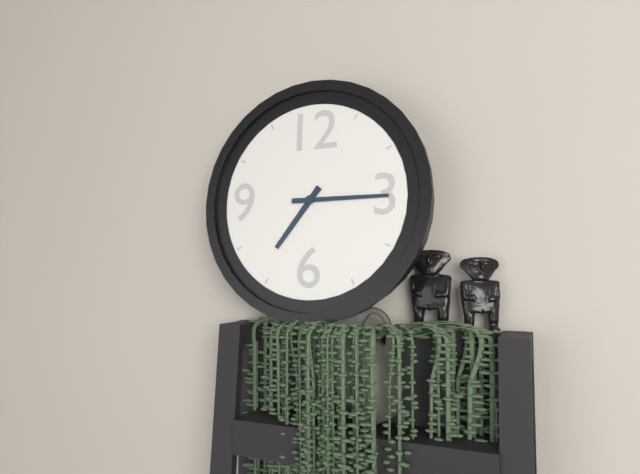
7.15
